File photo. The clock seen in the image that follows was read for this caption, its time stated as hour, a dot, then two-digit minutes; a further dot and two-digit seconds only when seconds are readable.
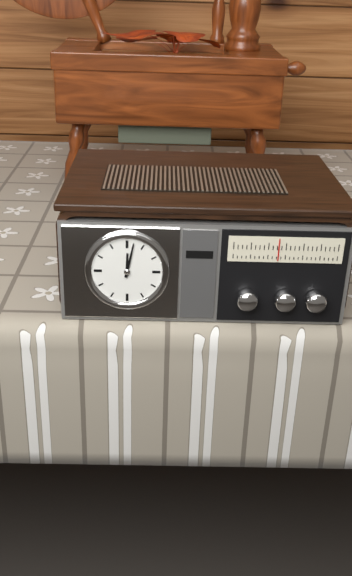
12.02
